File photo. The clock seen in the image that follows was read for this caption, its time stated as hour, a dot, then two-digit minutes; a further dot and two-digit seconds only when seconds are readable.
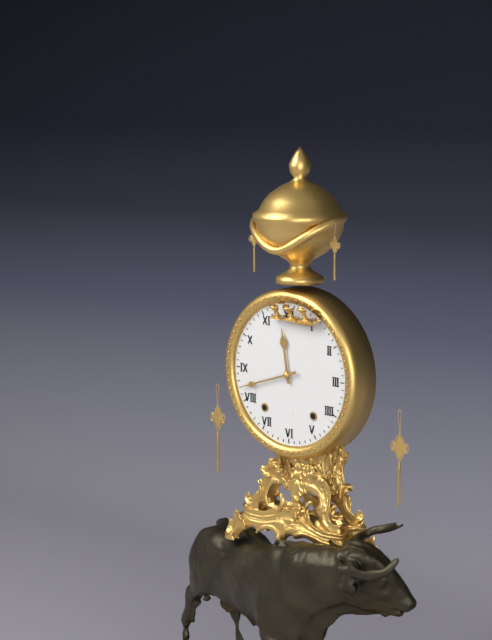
11.42
